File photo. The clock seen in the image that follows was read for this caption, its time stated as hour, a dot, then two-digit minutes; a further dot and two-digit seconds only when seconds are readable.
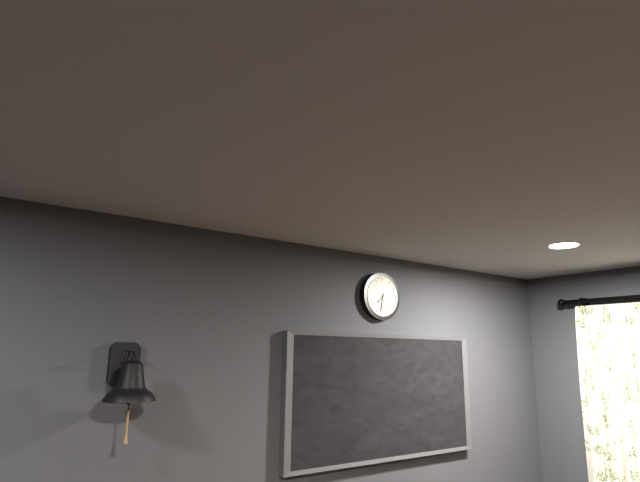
7.32
